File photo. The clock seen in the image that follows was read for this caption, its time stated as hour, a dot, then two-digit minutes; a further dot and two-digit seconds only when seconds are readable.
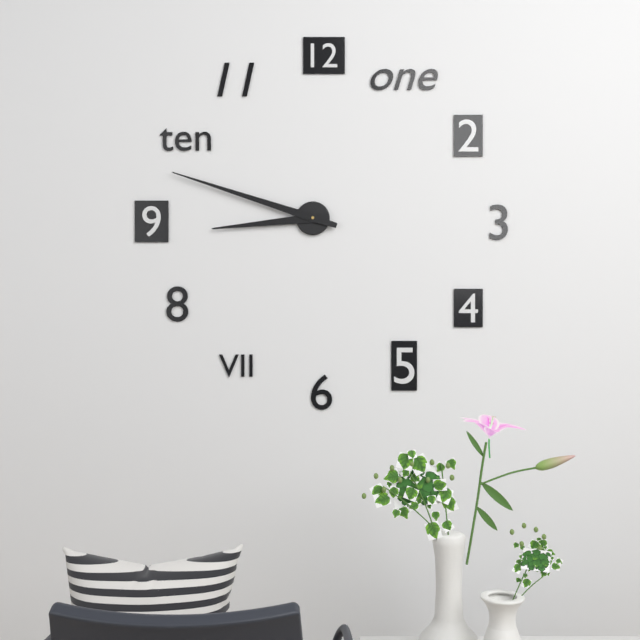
8.48
